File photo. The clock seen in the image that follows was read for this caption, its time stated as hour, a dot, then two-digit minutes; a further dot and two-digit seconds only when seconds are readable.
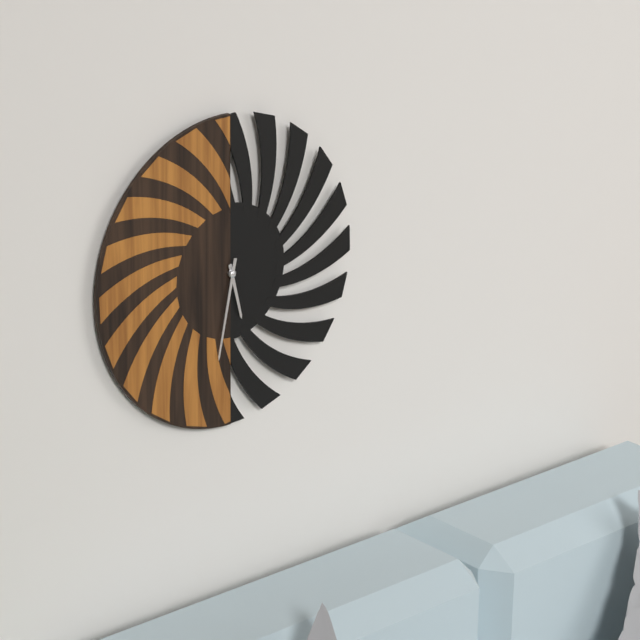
5.32
